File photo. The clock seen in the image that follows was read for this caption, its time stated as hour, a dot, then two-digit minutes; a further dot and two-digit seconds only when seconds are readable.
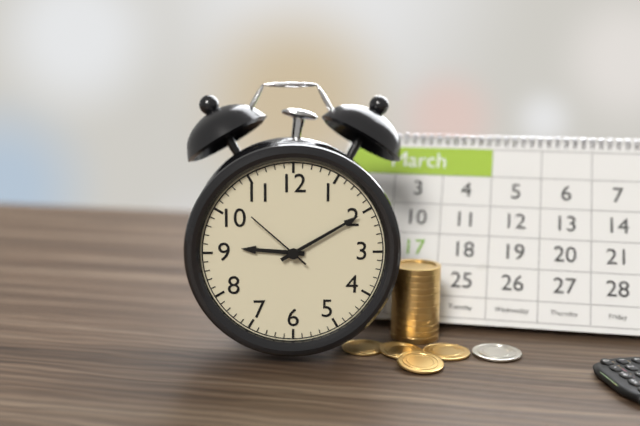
9.10.52
